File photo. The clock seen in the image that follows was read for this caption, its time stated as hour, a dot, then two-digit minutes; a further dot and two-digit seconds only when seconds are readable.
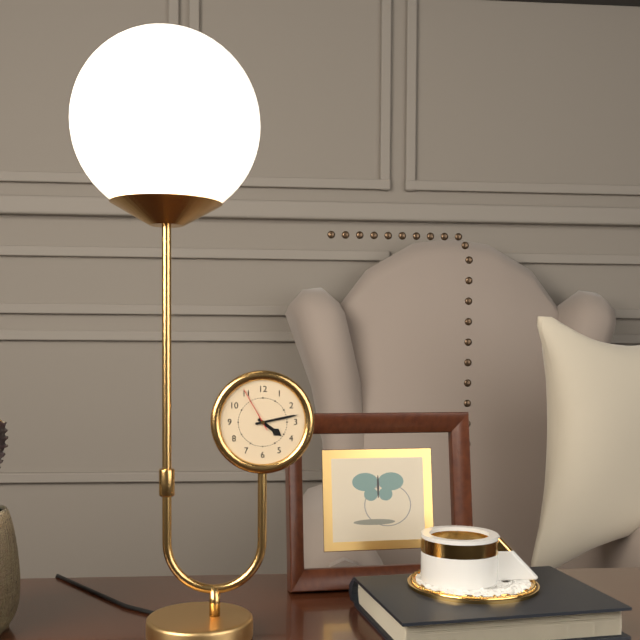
4.13
